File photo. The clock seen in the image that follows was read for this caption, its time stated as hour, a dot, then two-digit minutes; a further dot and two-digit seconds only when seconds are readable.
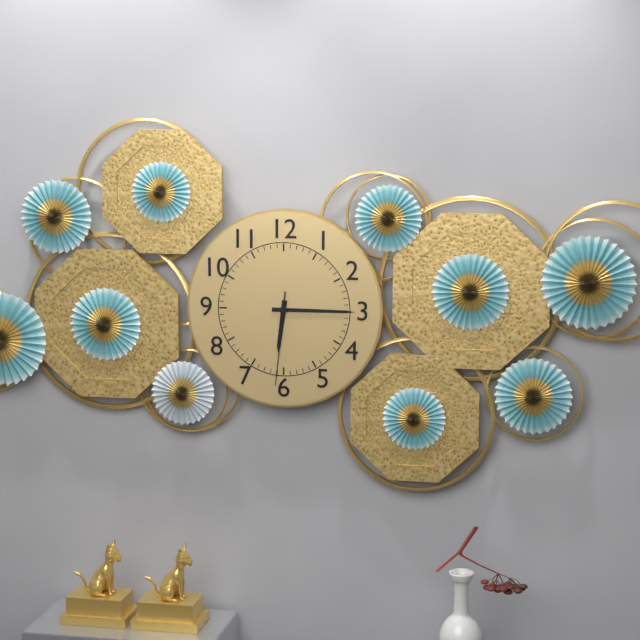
6.15.31
